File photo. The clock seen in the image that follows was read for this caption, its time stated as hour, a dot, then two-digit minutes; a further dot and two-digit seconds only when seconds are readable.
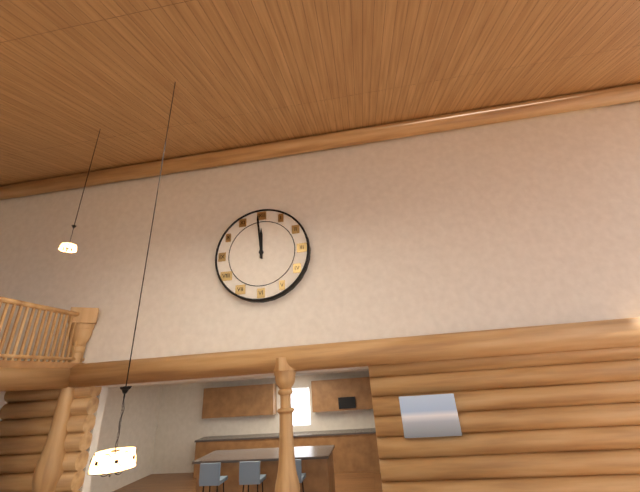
11.59
